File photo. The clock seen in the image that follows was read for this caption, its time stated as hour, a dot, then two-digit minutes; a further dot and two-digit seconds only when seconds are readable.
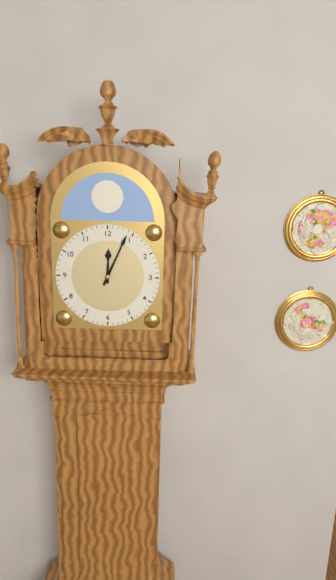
12.04
